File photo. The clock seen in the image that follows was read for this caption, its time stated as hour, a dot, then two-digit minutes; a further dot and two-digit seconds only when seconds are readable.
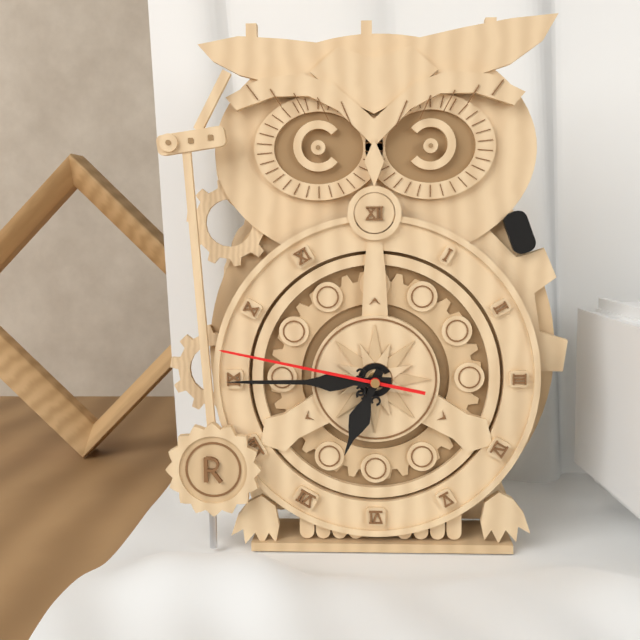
6.45.47
